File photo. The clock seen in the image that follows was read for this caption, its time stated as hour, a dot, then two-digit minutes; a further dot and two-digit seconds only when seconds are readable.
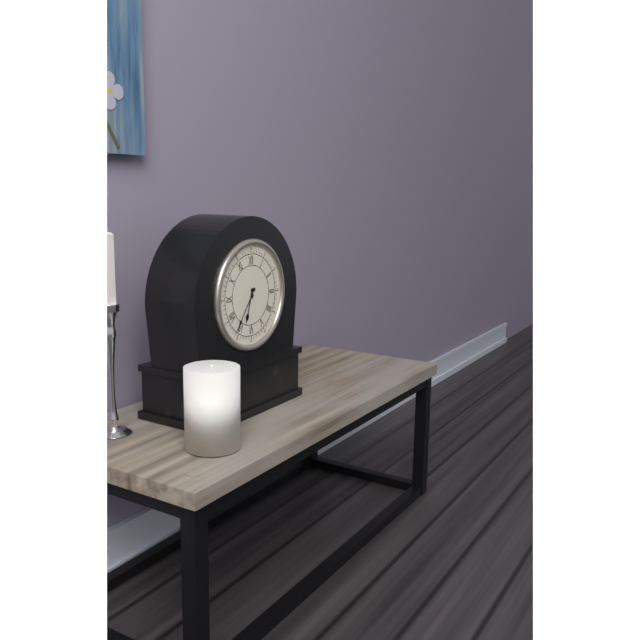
6.36
